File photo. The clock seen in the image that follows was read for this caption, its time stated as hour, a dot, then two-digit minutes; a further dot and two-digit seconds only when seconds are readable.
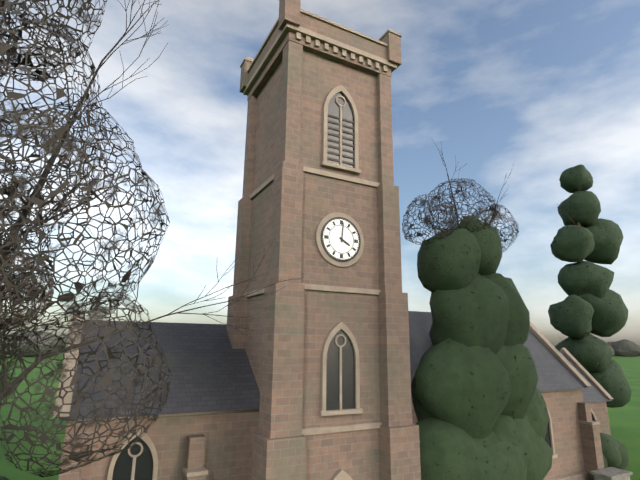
4.01
